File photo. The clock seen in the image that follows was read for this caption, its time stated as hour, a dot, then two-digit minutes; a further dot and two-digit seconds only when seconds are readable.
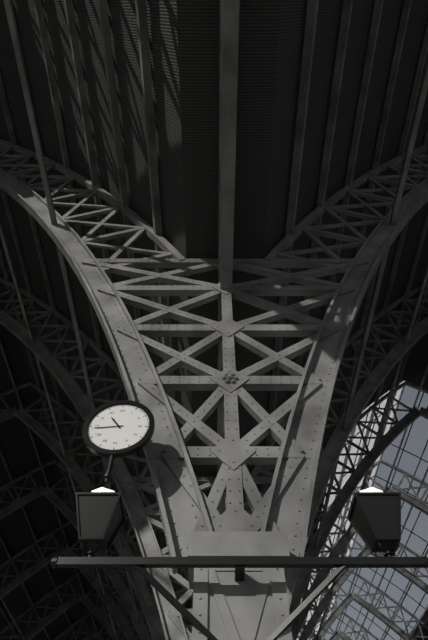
10.44
